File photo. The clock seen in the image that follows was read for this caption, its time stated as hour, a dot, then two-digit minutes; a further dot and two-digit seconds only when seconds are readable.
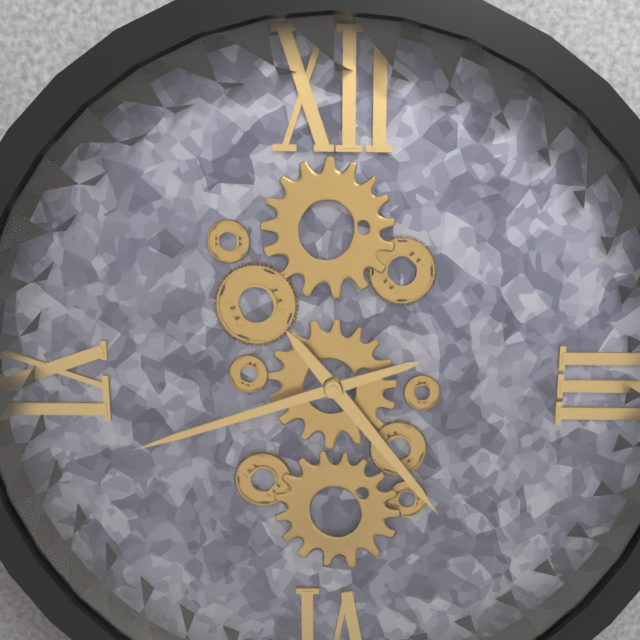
4.42
